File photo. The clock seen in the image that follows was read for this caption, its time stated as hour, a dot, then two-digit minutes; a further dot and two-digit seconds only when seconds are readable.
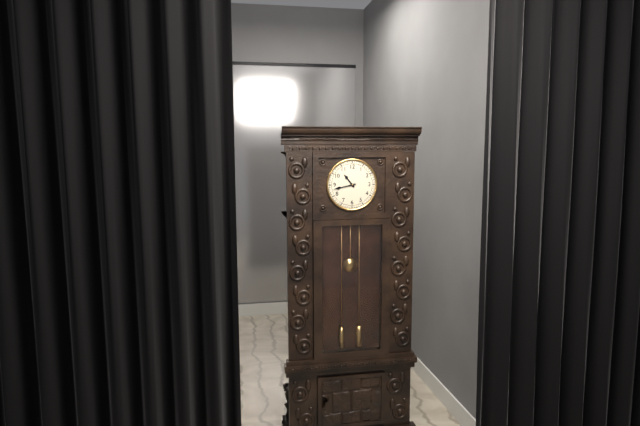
10.43
